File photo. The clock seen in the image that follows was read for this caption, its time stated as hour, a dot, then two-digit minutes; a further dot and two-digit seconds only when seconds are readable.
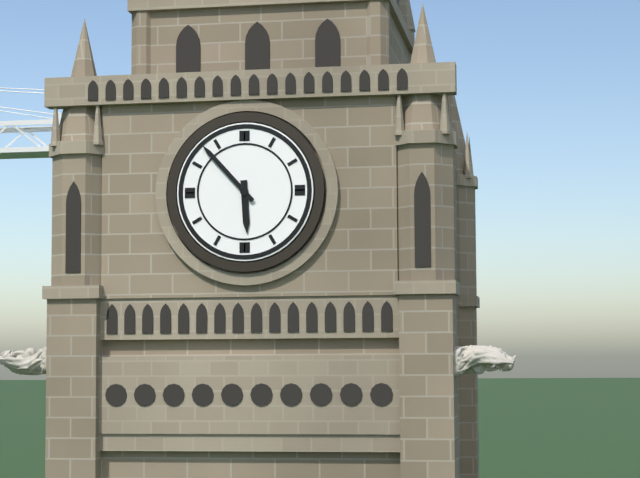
5.53
